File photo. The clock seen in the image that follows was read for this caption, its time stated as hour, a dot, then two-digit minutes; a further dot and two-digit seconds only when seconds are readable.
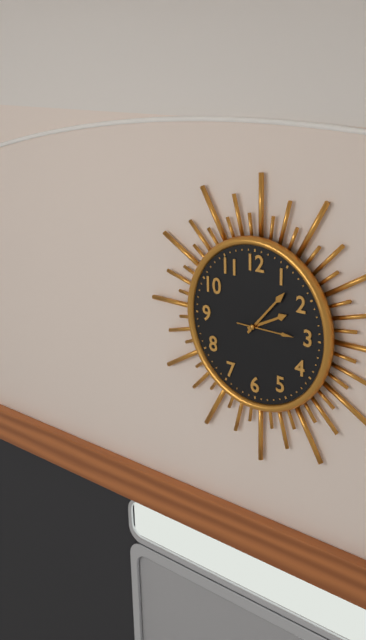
2.07.15
